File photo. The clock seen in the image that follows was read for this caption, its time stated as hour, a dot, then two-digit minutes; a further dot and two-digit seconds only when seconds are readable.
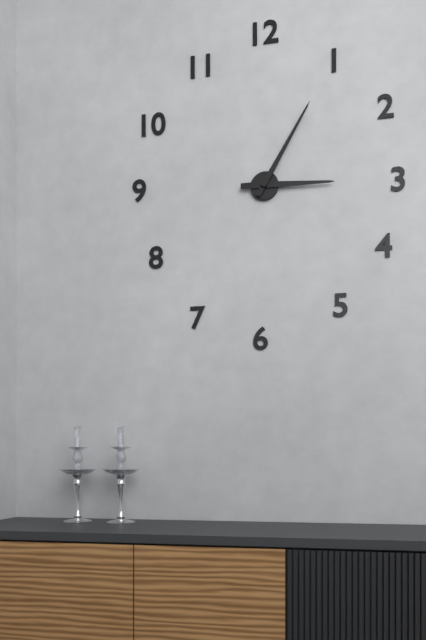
3.05
